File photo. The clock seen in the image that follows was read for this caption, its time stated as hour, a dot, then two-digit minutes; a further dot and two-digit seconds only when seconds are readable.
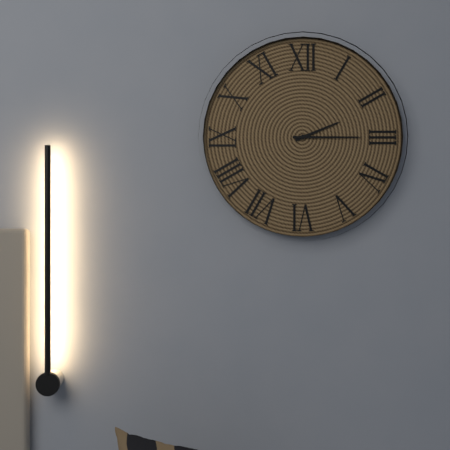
2.15
